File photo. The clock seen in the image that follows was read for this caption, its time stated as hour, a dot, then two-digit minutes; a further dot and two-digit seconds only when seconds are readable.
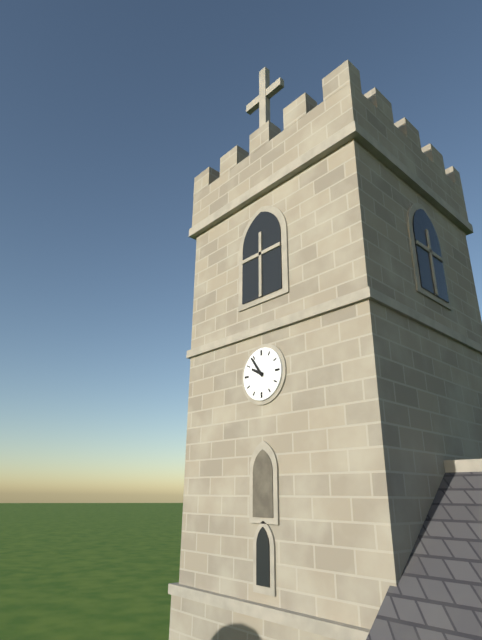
9.54
